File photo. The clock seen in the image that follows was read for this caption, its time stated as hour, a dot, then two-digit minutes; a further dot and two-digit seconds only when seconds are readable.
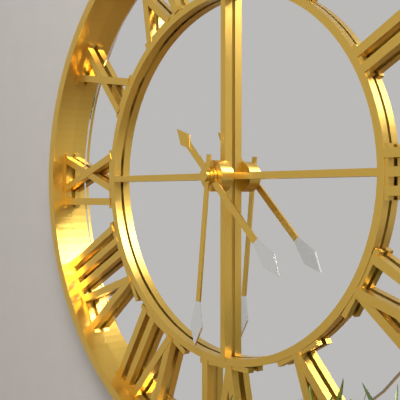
4.31
